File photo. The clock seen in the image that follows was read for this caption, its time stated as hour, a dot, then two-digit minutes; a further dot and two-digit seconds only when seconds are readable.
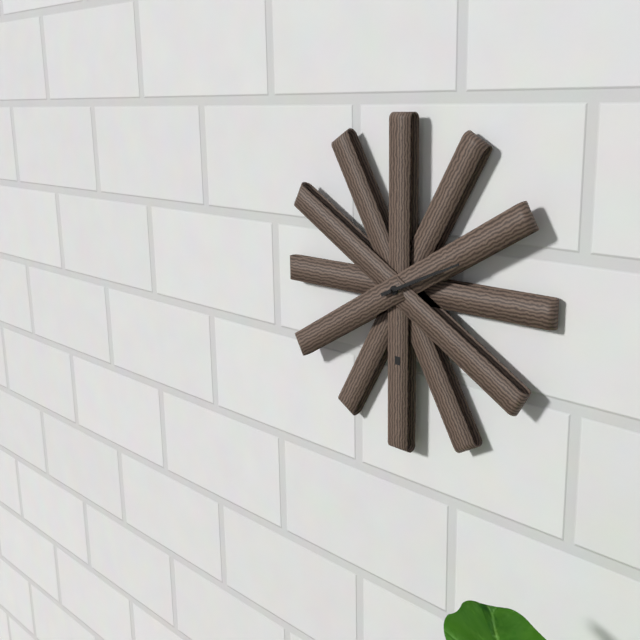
2.11
